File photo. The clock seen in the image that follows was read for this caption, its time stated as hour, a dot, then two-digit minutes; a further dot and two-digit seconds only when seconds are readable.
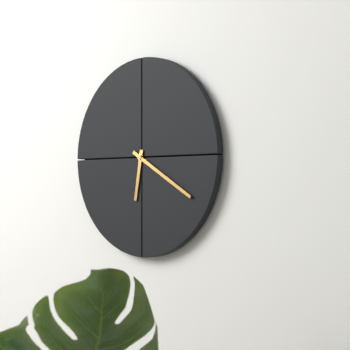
6.20
